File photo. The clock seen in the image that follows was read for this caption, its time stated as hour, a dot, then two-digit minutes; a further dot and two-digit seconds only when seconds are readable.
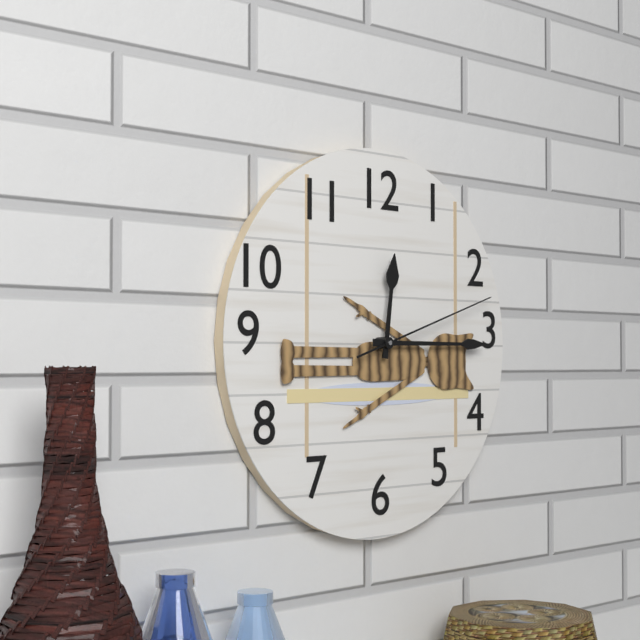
12.15.12
